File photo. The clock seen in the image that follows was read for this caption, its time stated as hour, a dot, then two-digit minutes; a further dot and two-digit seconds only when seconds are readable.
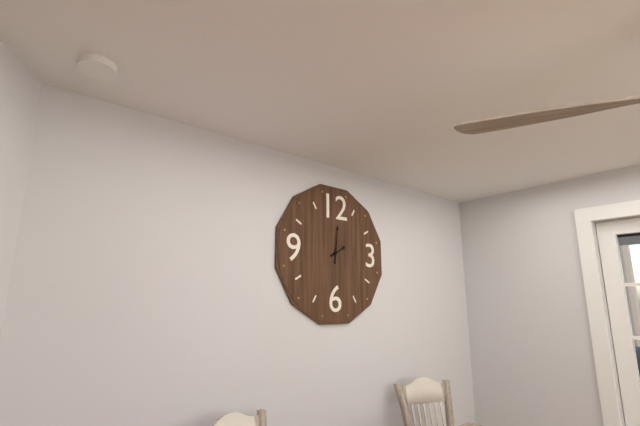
2.01
